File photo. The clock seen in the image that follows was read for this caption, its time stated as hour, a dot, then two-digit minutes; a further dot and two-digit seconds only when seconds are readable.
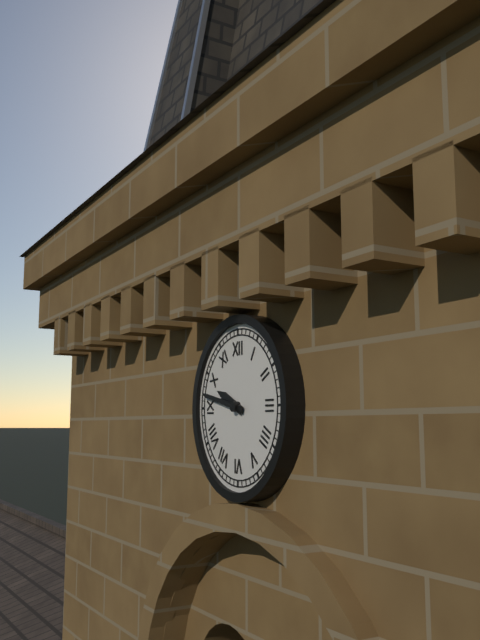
9.47
